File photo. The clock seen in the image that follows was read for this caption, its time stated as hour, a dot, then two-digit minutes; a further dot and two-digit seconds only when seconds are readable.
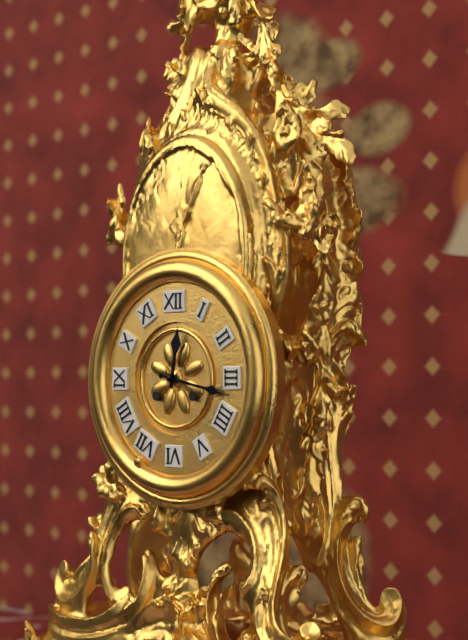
12.17
